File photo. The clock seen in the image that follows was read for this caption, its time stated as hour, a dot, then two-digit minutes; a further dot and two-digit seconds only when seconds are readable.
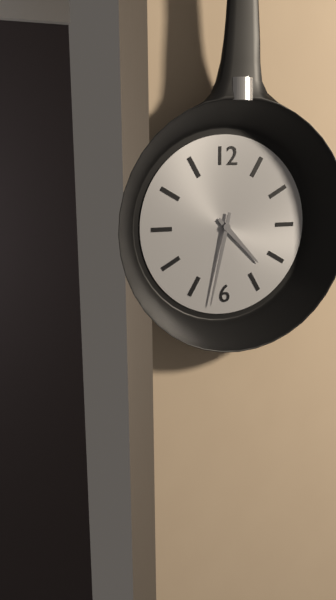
4.32
